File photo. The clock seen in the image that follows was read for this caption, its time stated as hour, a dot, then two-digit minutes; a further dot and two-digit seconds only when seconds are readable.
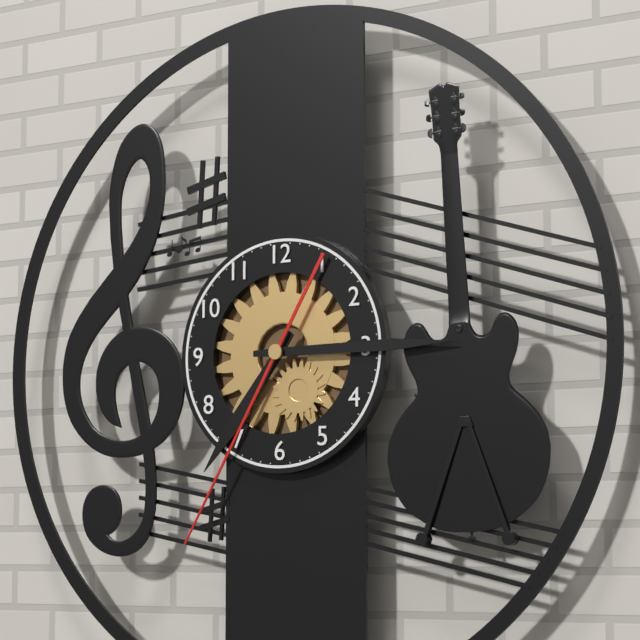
7.15.35
